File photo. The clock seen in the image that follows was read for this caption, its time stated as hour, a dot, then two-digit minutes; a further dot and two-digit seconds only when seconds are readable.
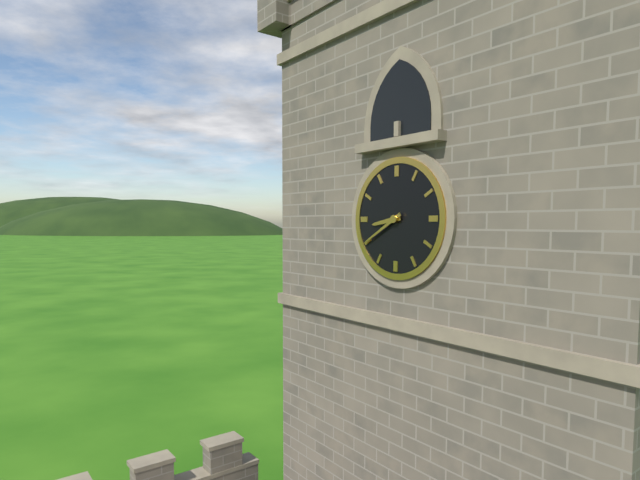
8.40
